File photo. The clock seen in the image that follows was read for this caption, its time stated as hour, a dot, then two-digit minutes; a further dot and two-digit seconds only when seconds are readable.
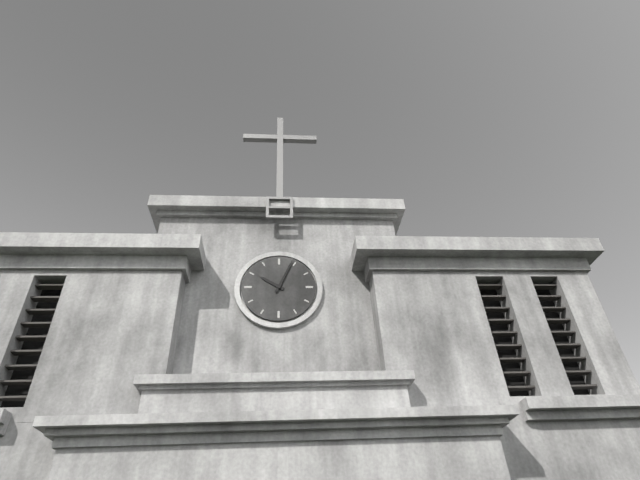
10.04
